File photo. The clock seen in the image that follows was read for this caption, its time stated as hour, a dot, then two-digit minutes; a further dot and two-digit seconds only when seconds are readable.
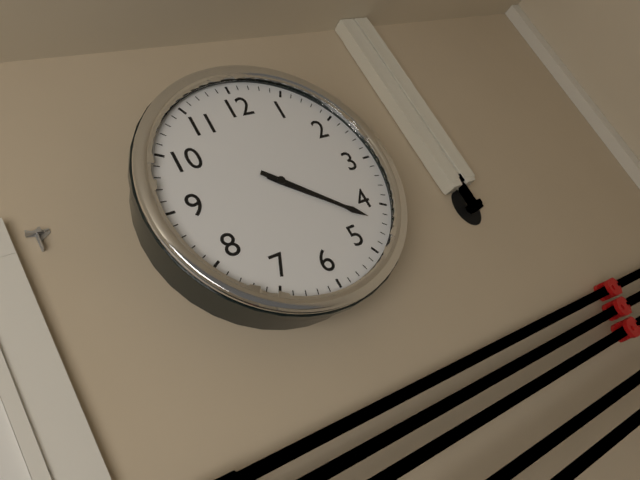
4.22
